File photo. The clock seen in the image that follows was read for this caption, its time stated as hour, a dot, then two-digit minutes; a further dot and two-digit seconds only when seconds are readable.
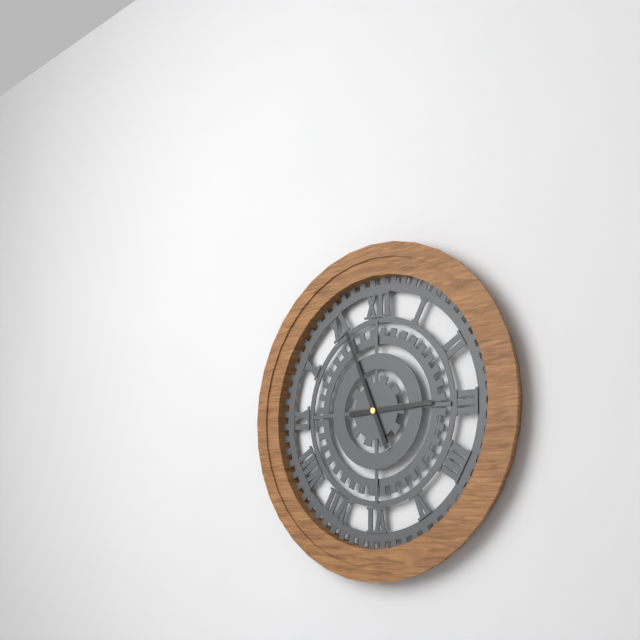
2.56
